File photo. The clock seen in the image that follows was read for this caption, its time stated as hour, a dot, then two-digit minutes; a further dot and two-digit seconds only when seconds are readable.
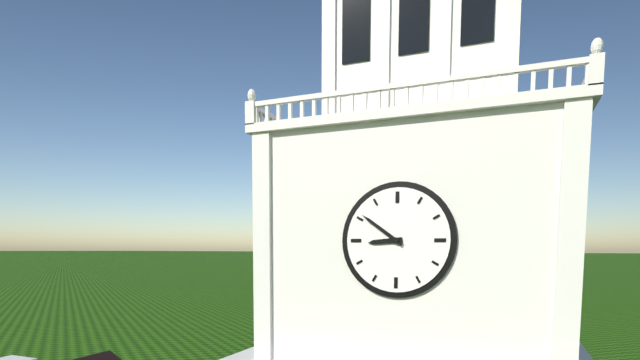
8.51
